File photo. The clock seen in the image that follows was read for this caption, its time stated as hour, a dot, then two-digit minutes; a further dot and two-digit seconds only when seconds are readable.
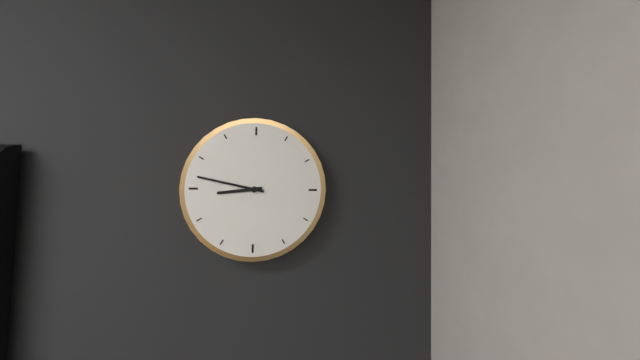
8.47
